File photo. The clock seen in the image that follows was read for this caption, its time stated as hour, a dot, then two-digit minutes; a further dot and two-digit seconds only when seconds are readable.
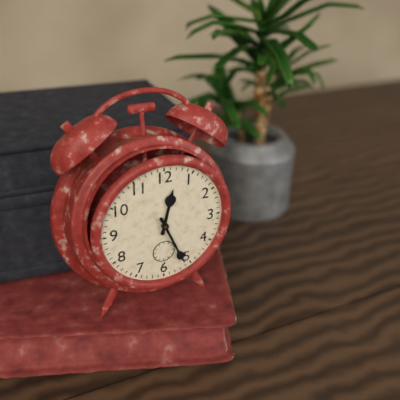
12.26
